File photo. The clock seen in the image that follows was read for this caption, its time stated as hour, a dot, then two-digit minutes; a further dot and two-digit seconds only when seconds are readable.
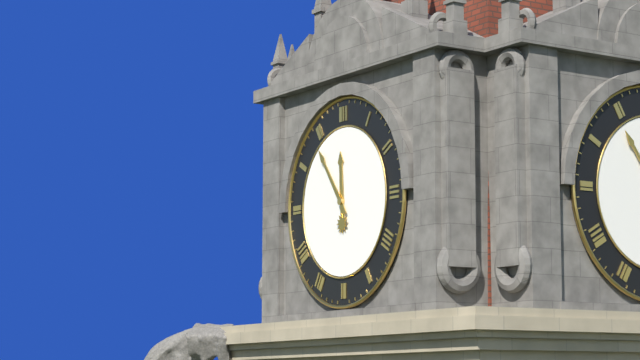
11.54
